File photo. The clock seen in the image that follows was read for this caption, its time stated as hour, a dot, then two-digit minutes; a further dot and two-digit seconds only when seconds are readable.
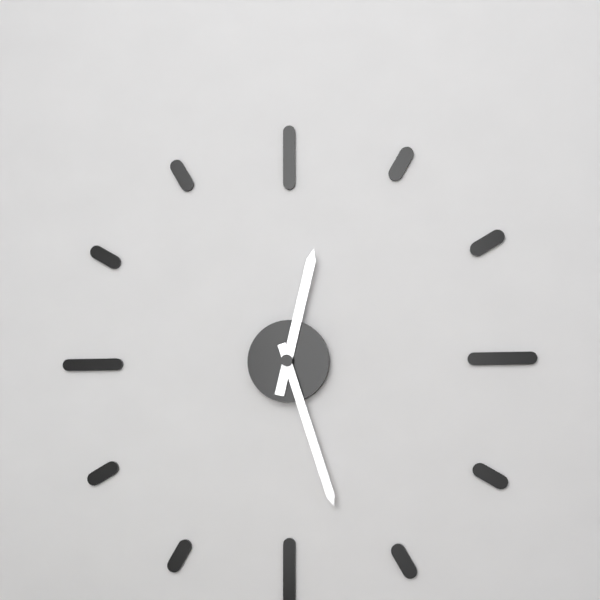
12.27
